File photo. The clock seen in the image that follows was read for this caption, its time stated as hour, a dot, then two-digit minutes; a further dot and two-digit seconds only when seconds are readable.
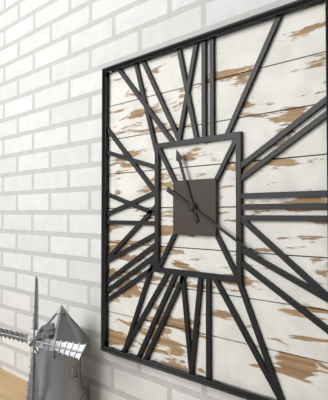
11.20
